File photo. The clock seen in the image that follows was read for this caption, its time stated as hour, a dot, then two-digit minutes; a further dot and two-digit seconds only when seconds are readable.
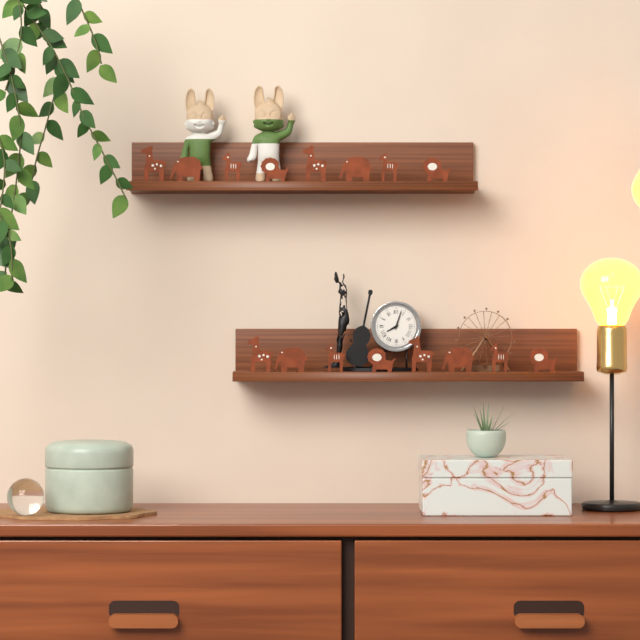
8.03
